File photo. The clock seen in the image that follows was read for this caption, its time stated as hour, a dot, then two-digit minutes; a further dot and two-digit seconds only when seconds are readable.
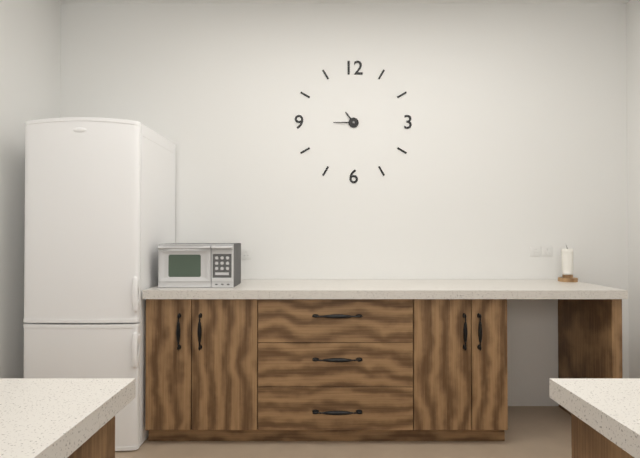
10.45
